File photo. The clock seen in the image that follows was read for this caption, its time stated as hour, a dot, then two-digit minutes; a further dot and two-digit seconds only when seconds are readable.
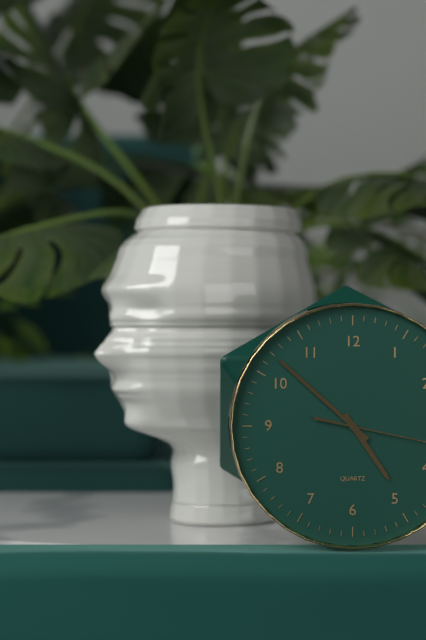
4.52
